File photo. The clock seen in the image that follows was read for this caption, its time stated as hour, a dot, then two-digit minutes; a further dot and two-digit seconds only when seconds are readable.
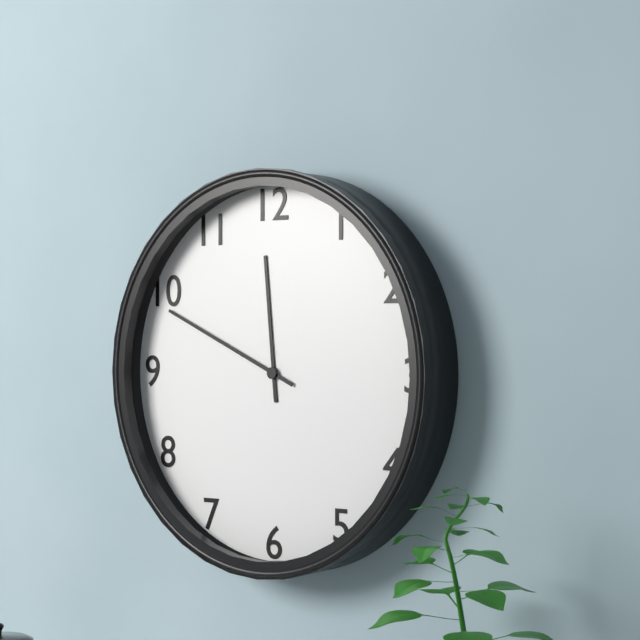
11.49
